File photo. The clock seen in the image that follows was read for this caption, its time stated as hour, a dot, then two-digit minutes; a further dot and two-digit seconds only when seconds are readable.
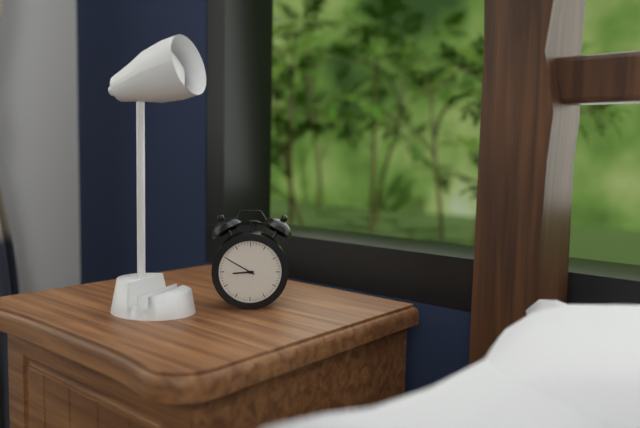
8.50
